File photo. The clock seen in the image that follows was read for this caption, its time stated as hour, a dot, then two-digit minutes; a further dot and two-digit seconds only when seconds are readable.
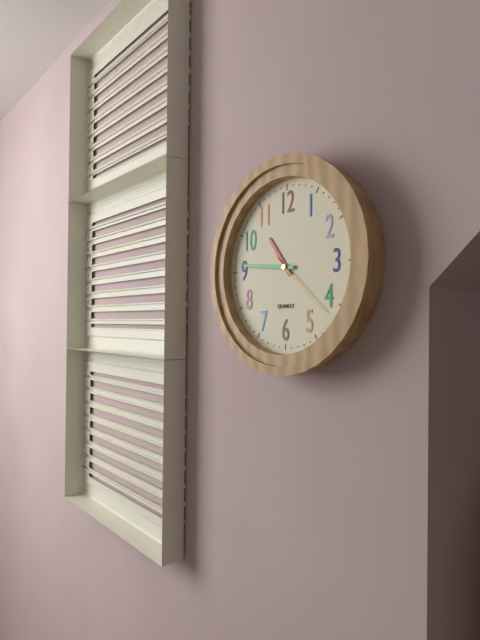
10.46.22
